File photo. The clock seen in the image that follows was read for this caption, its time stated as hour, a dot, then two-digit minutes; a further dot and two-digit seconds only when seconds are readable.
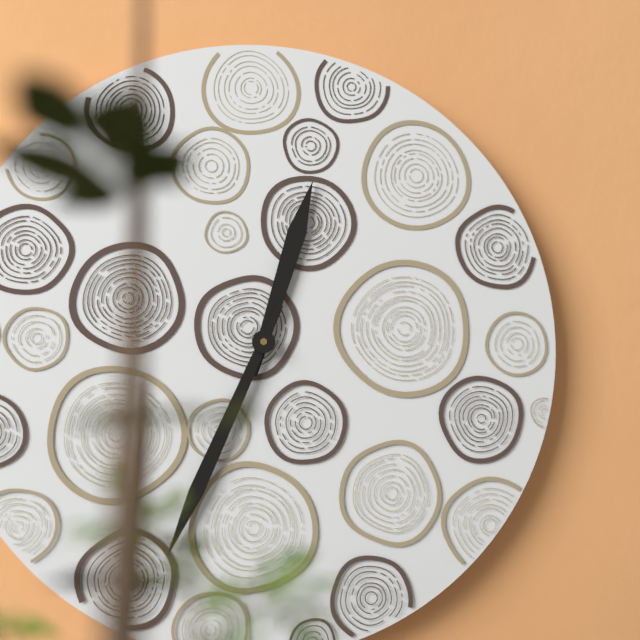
12.34
